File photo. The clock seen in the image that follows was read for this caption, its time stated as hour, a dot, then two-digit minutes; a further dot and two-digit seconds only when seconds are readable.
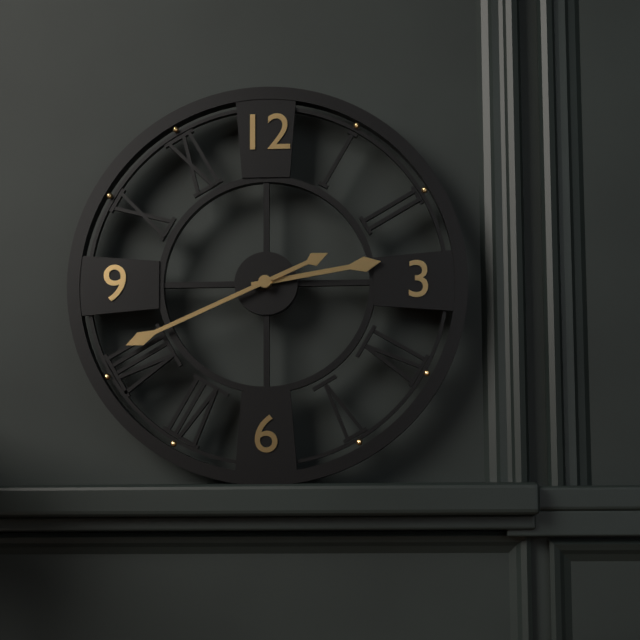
2.41
